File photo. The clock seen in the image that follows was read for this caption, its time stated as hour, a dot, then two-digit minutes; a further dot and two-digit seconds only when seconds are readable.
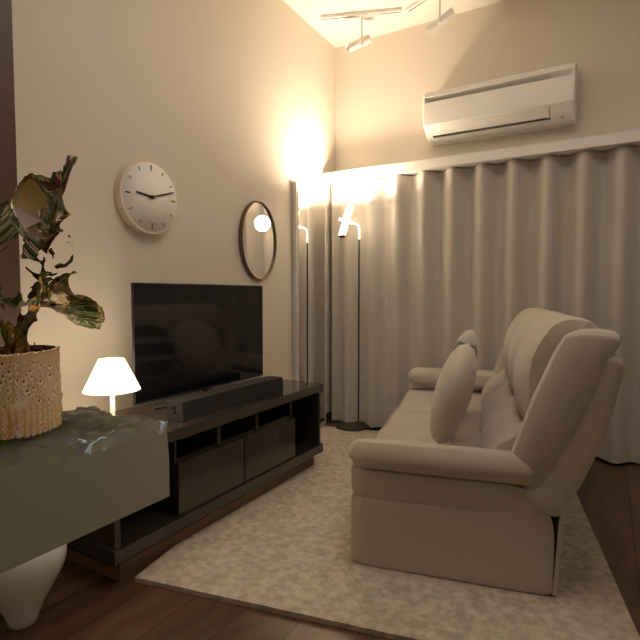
9.12
